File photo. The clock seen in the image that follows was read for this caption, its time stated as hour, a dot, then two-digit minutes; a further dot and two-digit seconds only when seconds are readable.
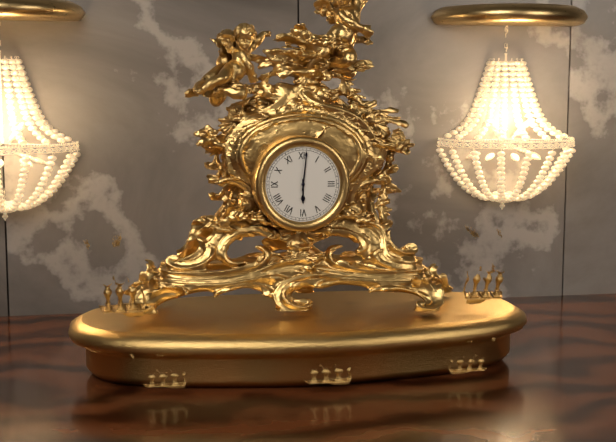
6.01
